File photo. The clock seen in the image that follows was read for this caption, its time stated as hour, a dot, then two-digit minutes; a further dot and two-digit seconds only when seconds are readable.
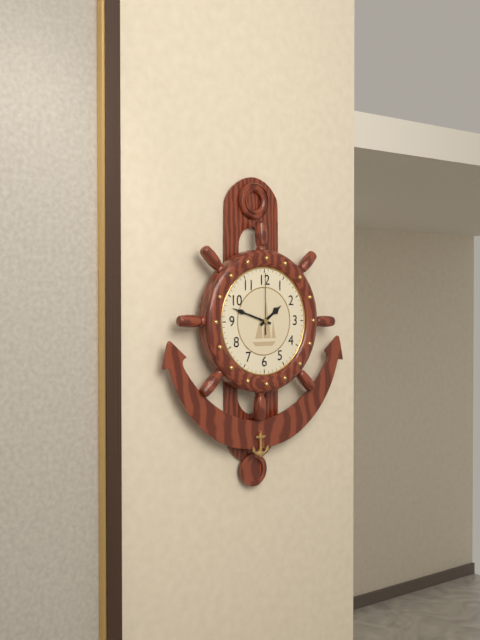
1.48.00
